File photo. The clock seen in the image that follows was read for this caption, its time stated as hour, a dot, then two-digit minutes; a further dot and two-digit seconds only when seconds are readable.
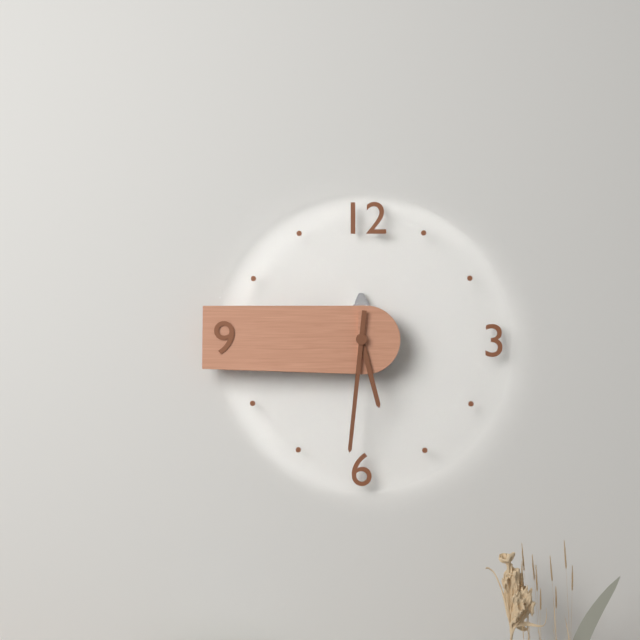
5.31
